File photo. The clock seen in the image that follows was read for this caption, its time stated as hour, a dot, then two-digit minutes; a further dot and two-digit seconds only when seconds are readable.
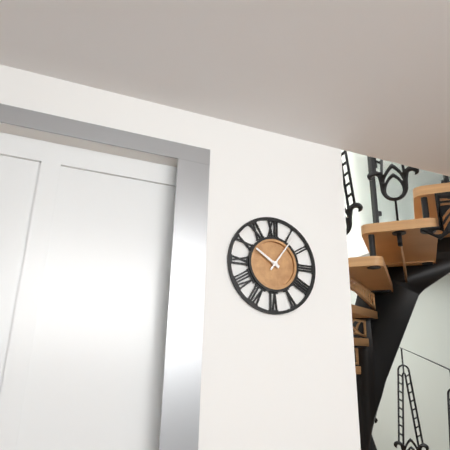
10.06
